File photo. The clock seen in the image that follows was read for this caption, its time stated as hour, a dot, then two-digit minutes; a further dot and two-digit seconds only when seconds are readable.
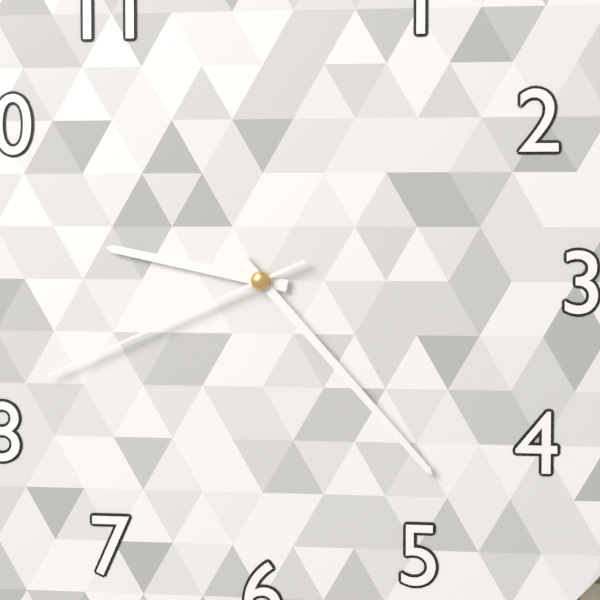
9.23.41
